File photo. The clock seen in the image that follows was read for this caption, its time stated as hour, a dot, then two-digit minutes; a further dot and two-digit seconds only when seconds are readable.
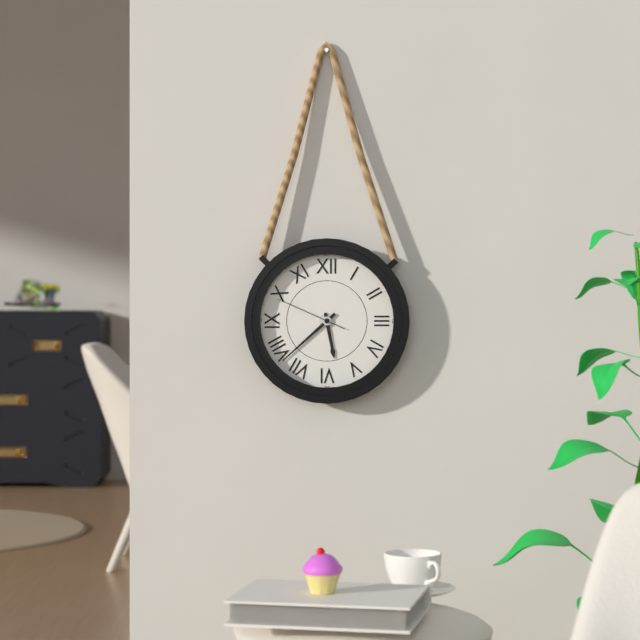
5.38.49
